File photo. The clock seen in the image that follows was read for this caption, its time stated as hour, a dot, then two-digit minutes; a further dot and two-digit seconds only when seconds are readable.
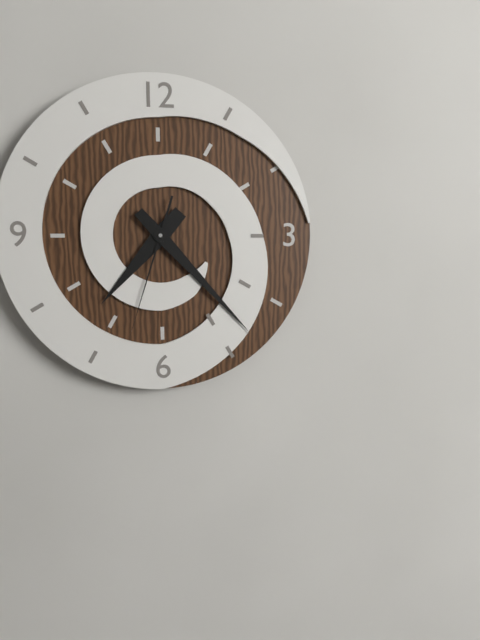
7.23.33
